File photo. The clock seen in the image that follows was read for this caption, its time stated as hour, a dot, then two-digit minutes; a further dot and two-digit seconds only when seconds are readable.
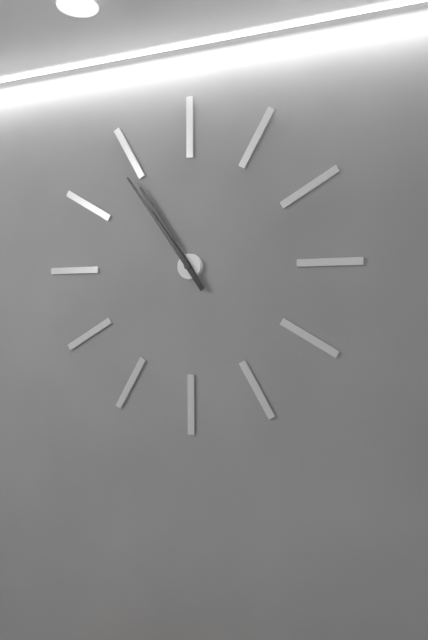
10.54
